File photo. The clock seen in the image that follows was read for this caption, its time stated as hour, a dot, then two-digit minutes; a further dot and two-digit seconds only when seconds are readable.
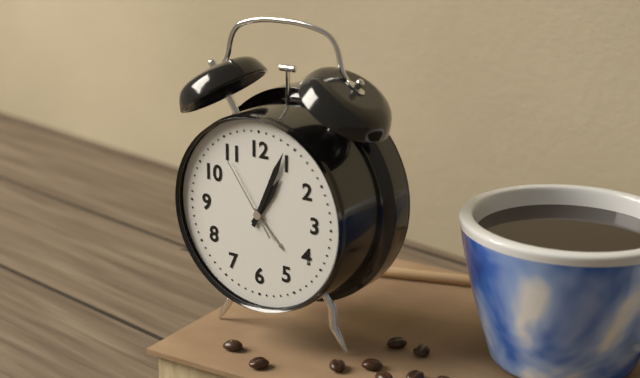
1.04.54
